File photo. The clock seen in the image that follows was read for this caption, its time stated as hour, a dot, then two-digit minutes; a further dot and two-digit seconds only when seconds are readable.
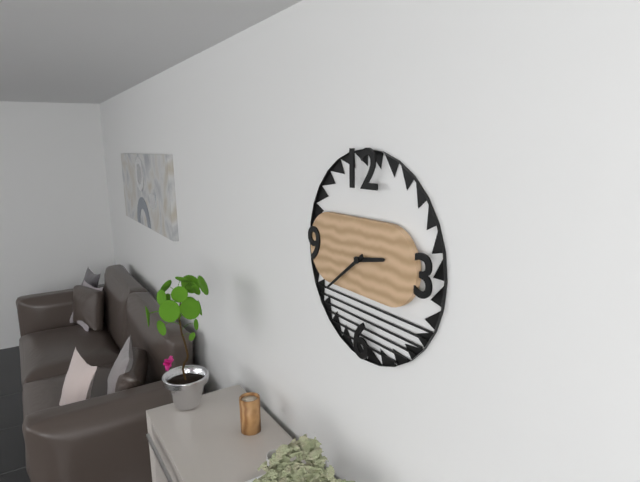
2.39
